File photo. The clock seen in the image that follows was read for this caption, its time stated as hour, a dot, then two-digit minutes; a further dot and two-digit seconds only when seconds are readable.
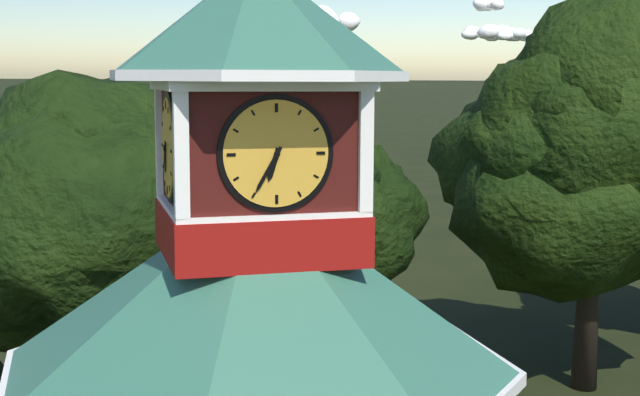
6.35
